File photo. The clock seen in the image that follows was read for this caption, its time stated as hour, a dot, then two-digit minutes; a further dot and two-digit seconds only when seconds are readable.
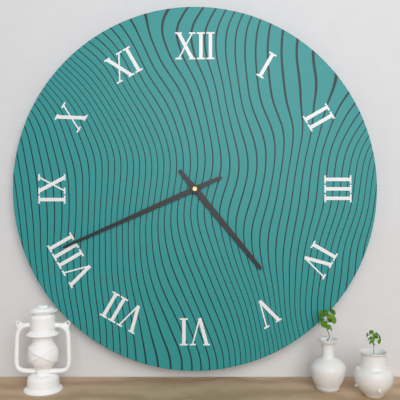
4.41
